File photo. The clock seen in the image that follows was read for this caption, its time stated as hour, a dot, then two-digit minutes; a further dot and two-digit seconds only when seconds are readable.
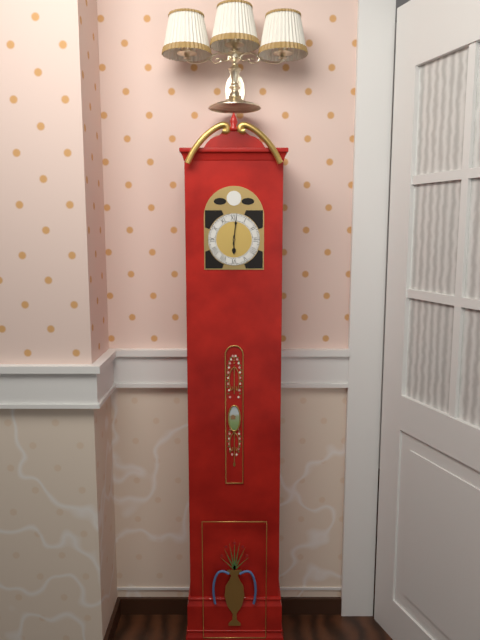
6.01
